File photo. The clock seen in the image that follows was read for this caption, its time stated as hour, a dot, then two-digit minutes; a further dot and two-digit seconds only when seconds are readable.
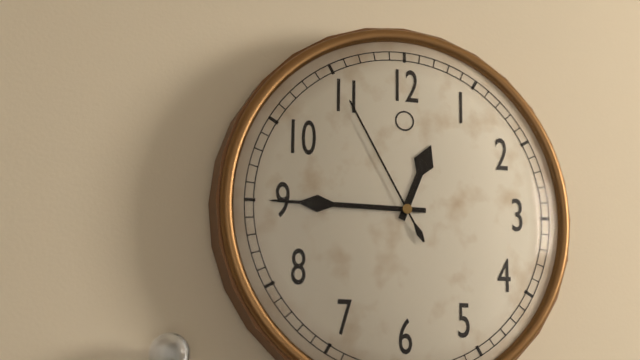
12.45.55
